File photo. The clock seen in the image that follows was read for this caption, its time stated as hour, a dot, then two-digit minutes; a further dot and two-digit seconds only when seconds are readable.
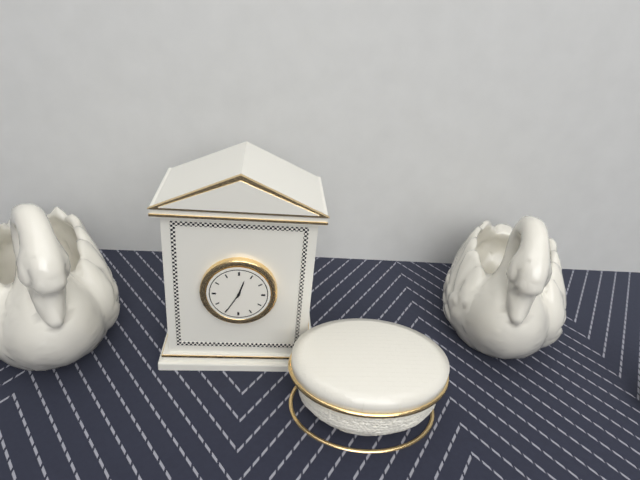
12.35
